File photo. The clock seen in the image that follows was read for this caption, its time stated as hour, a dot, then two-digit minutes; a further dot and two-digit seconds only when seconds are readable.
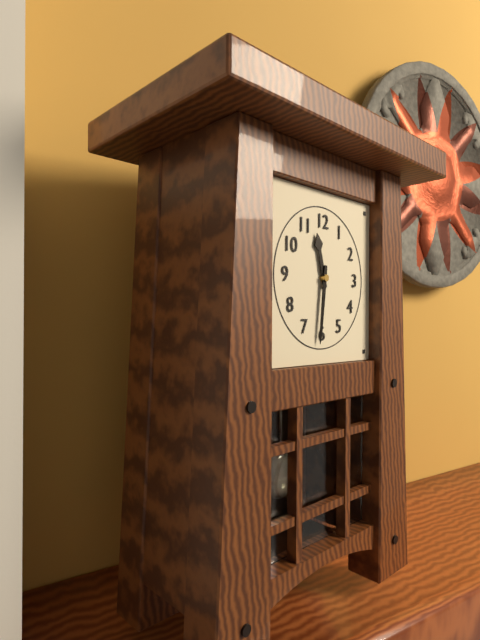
11.31
